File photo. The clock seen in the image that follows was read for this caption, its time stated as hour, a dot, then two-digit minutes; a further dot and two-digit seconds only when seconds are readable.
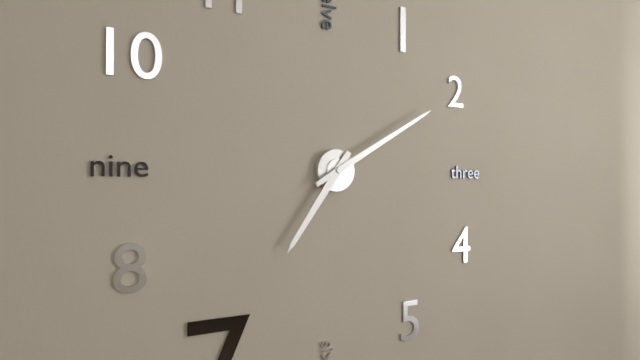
7.10
